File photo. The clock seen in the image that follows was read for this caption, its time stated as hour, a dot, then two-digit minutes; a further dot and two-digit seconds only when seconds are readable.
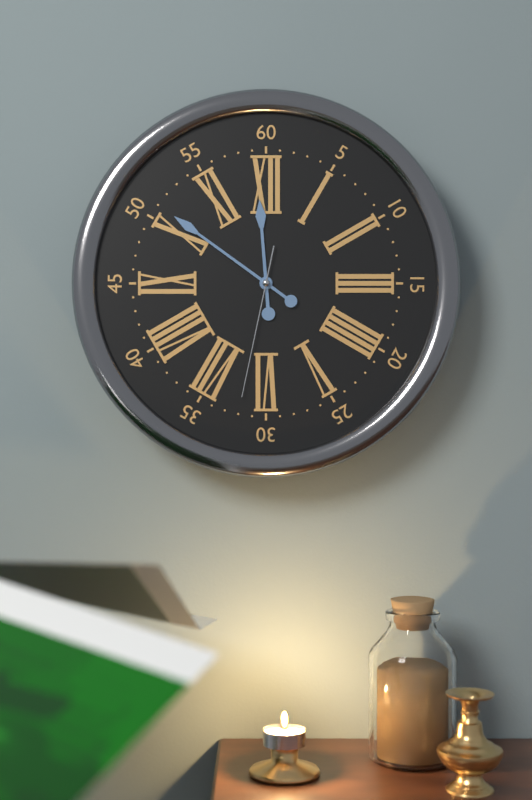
11.51.32
